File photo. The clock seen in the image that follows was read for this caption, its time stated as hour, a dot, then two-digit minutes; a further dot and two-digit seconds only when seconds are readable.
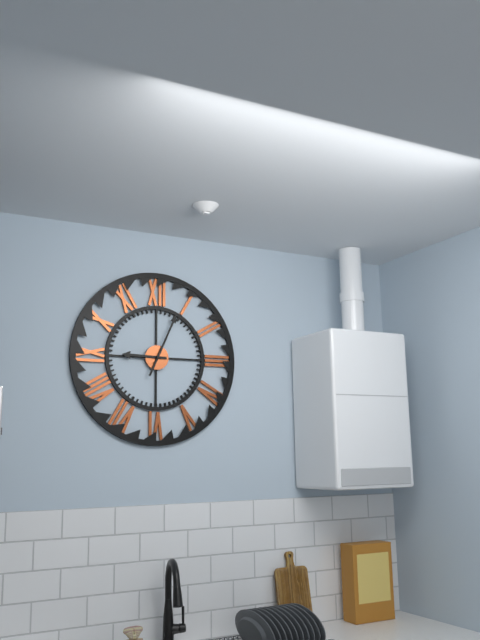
9.04
